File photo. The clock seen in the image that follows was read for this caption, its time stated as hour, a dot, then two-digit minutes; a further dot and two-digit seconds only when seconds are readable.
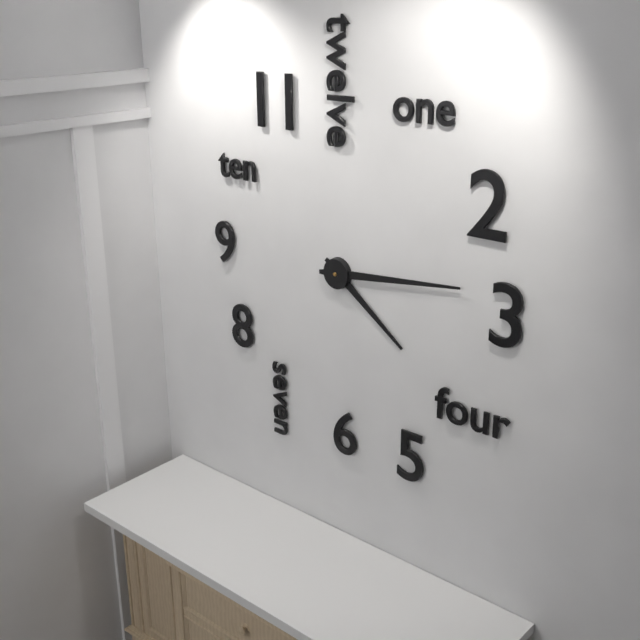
4.14
